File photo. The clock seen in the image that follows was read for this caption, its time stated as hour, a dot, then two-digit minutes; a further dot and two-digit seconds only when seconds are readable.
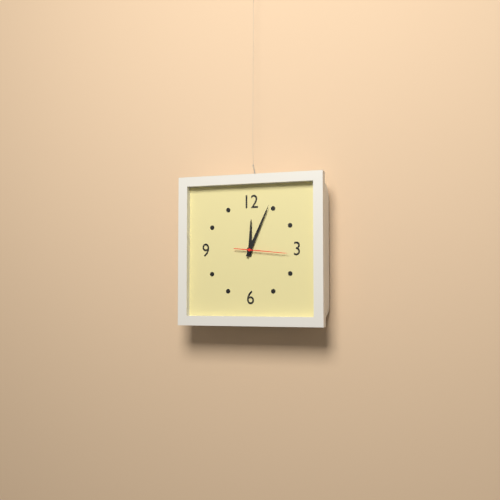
12.04
